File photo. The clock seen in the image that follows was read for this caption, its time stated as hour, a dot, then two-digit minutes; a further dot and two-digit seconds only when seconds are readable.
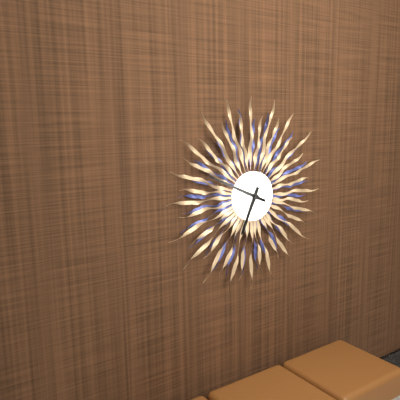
6.49
